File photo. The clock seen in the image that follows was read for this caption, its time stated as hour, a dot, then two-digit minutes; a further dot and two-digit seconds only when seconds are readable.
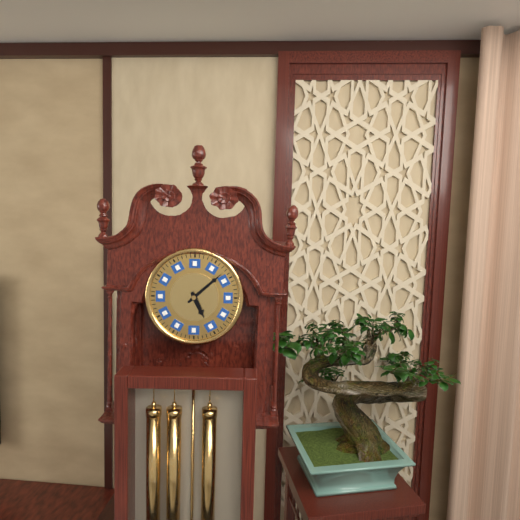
5.08
